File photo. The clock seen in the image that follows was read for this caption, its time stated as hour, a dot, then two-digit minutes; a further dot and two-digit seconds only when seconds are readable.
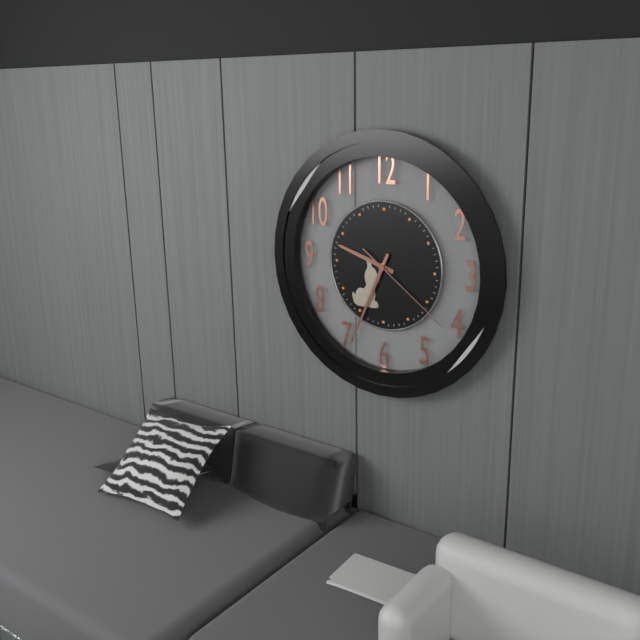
9.34.21
